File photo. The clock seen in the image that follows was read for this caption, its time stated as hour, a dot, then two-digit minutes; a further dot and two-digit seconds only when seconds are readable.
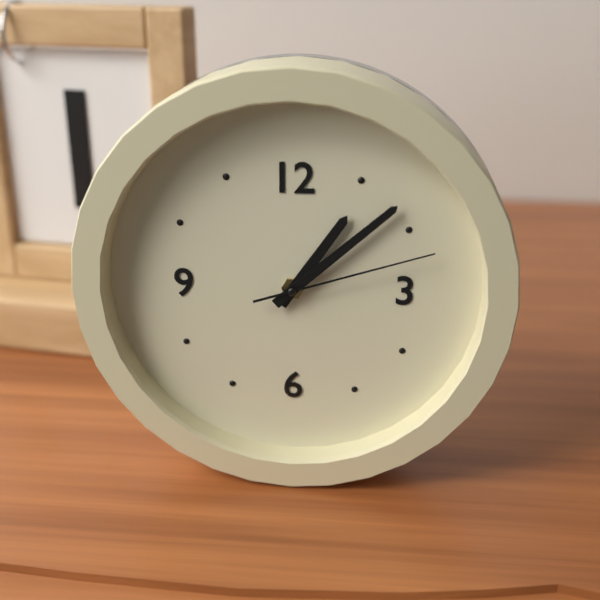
1.08.12
